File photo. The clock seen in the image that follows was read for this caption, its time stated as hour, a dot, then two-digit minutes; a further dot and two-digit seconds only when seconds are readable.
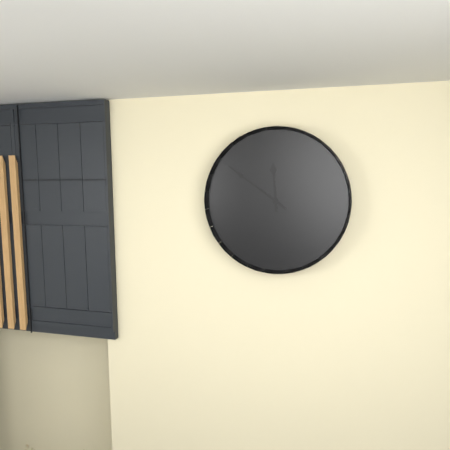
11.51
